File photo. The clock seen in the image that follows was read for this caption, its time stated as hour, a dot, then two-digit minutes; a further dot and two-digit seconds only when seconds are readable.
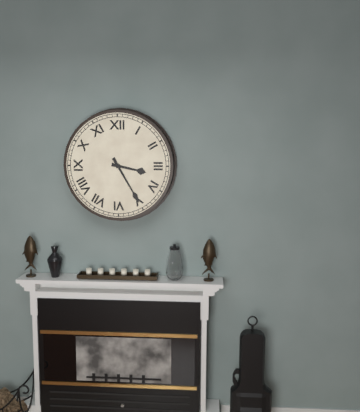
3.25
